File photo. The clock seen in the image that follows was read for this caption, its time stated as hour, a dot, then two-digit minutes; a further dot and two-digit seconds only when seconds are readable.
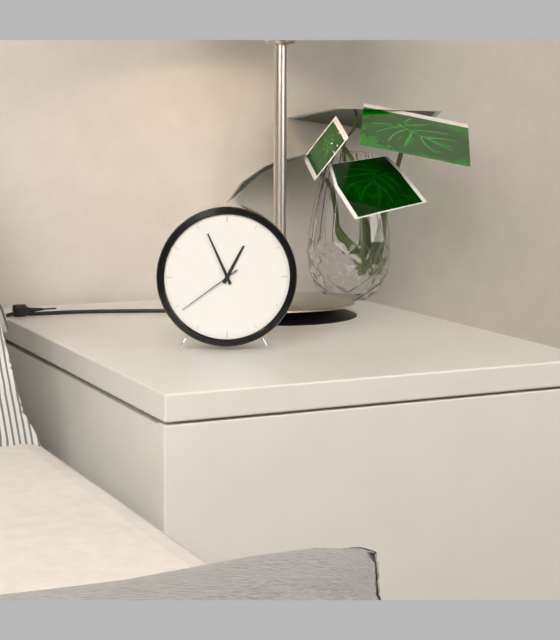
12.56.39
